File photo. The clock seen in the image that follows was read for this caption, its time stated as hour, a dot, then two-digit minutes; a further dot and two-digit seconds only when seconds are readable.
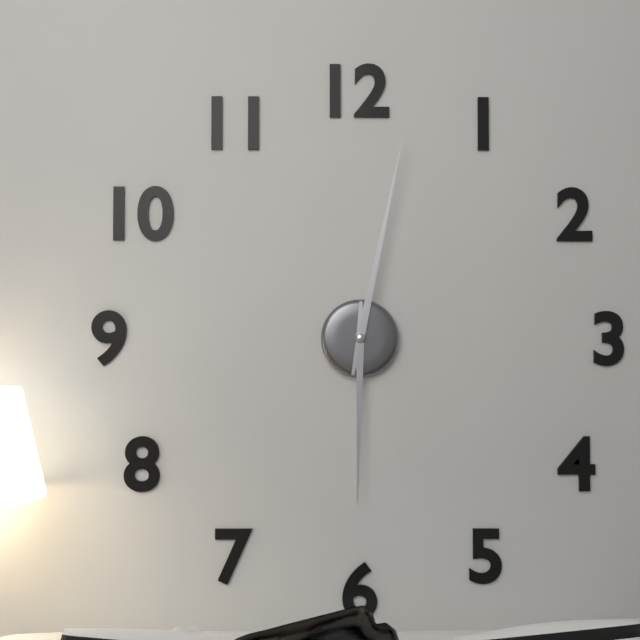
6.02
